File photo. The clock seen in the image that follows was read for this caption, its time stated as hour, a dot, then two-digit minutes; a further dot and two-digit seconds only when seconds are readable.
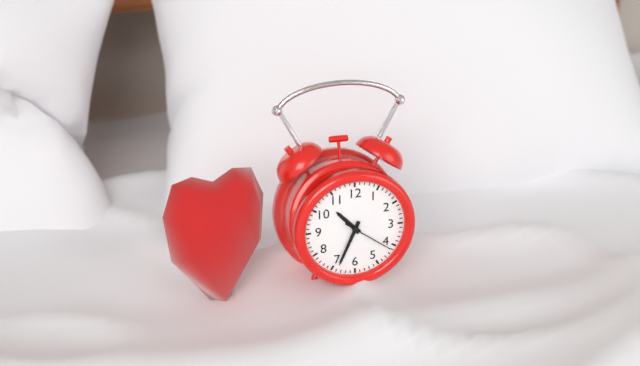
10.34.21
